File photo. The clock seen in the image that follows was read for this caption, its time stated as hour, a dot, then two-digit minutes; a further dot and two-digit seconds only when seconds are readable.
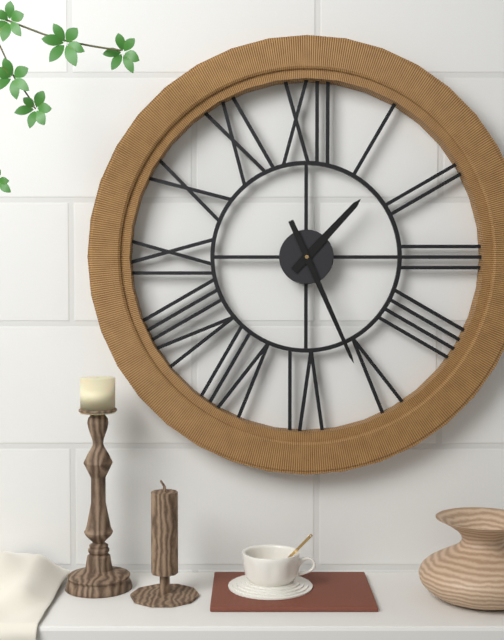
1.26
